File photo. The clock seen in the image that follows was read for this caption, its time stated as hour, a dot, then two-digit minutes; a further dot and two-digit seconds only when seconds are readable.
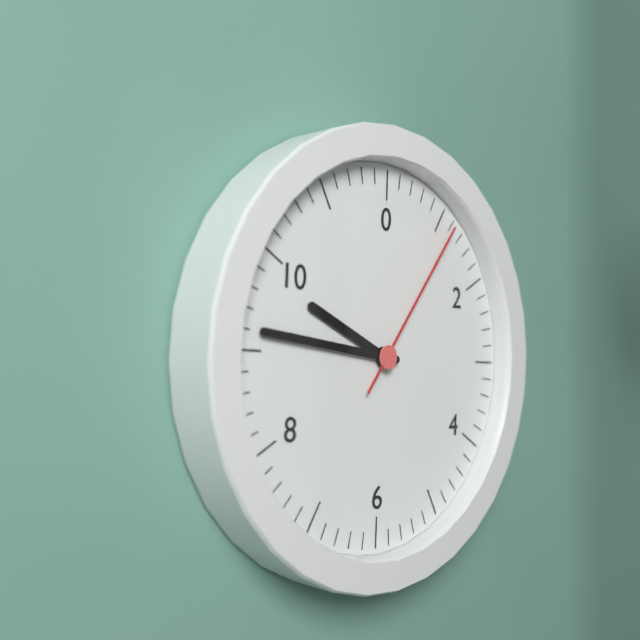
9.46.06
